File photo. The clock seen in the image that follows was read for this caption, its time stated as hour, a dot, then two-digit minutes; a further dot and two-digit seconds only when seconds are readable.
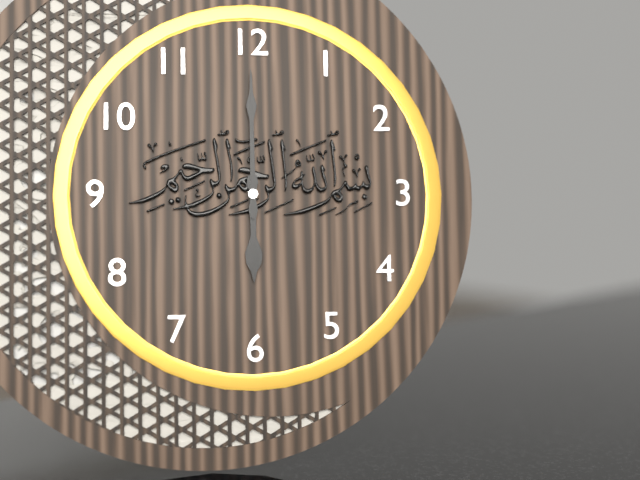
6.00
